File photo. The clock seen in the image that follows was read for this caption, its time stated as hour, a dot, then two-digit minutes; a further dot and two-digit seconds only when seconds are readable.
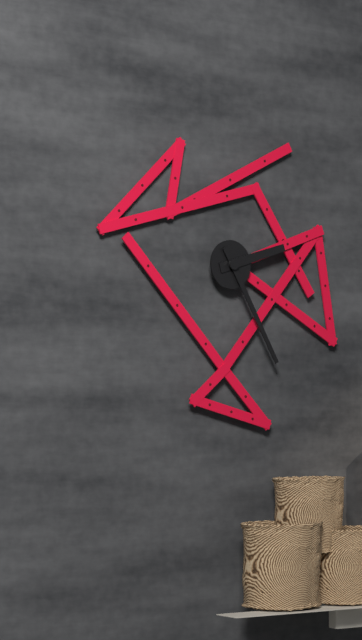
2.25
